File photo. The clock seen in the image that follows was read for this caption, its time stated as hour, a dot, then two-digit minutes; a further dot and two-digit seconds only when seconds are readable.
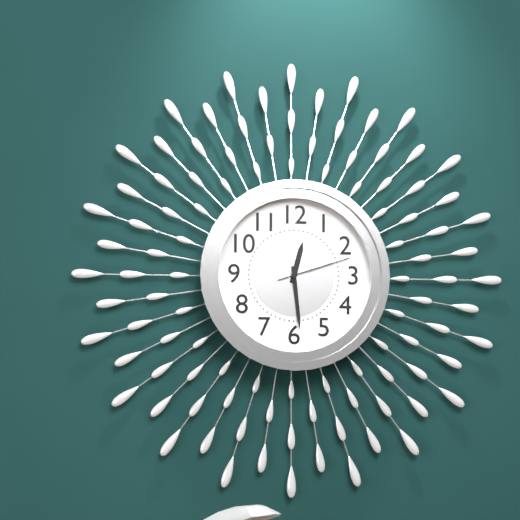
12.29.12
